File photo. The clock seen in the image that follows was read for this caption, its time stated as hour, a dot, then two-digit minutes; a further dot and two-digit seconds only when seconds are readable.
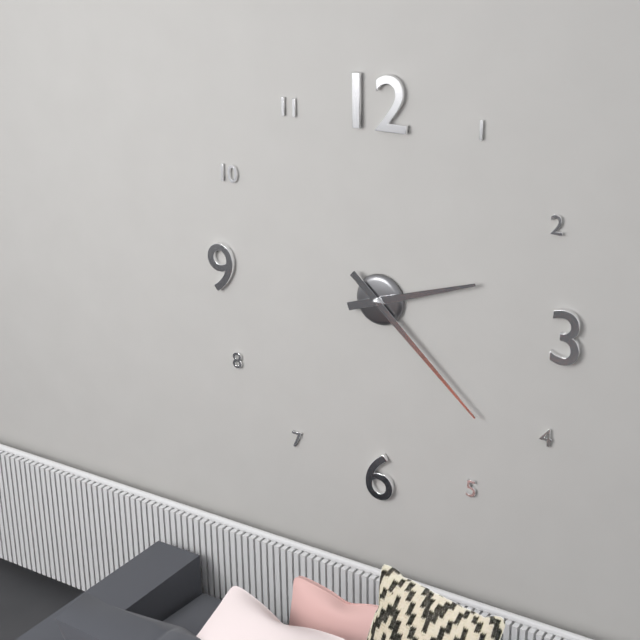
2.22
